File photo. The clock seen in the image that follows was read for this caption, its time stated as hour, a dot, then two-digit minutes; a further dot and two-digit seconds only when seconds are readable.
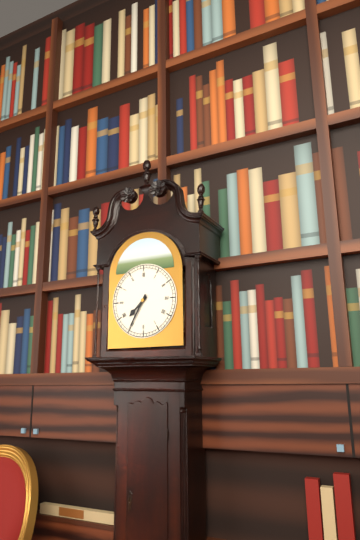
7.35
